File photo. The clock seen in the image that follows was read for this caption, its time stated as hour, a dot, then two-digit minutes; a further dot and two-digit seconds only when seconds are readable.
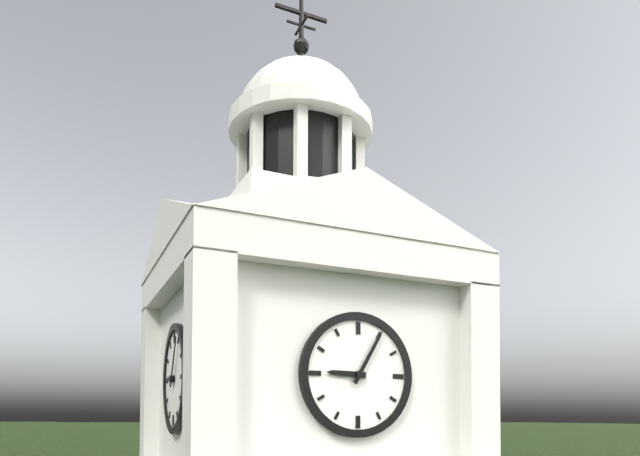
9.05
